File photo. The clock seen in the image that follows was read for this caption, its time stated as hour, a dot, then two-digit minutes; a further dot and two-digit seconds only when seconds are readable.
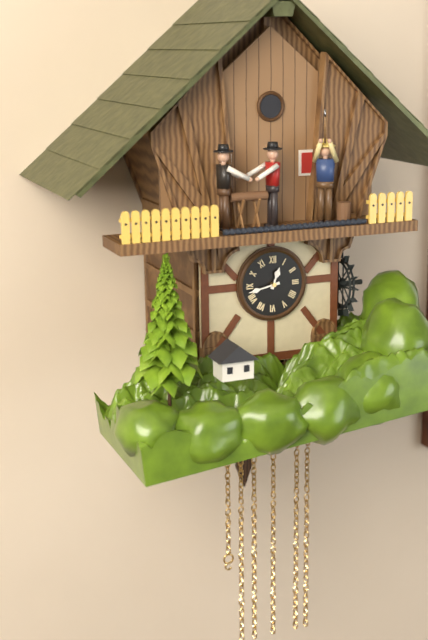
12.43
